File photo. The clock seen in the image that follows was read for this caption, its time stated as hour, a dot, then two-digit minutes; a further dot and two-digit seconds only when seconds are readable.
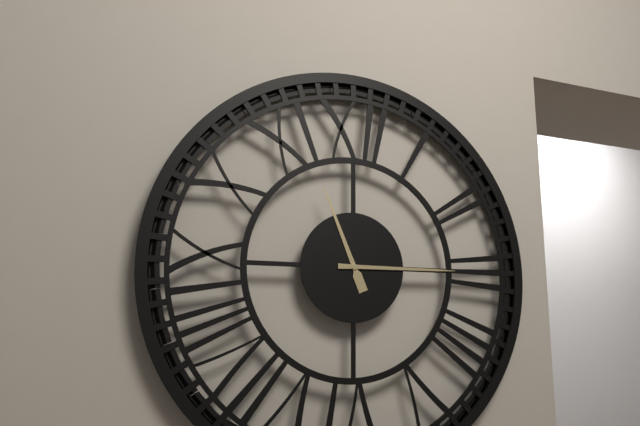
11.15
